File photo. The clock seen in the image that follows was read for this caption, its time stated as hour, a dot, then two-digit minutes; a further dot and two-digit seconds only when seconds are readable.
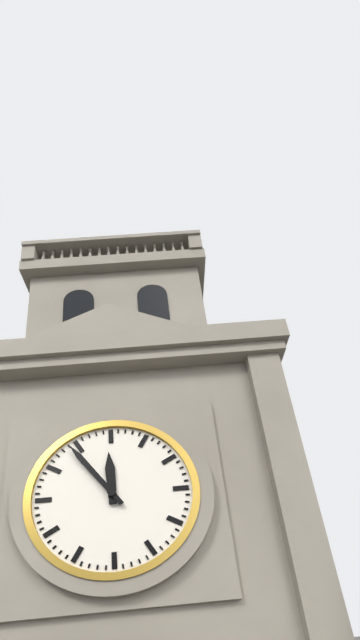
11.54
